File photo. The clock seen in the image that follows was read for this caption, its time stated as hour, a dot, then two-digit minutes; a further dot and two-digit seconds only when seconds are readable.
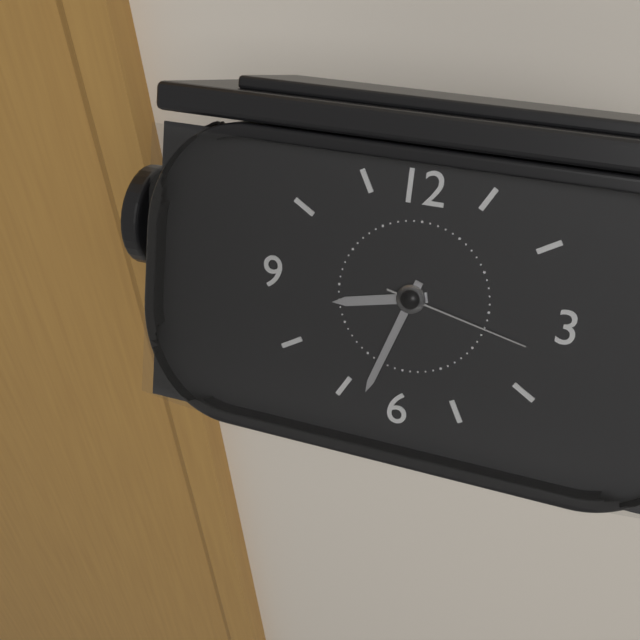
8.33.17
